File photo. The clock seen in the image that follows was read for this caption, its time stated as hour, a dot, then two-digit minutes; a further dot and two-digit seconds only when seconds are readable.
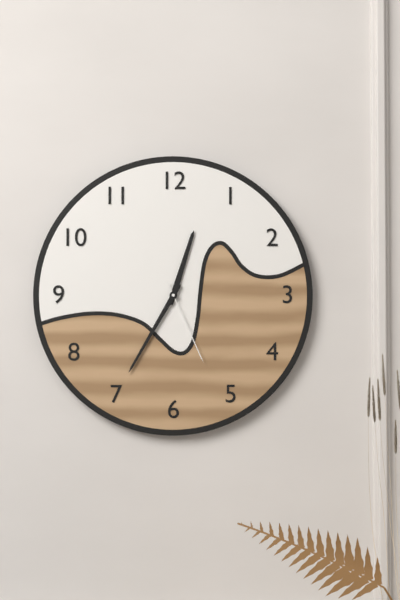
12.35.26
